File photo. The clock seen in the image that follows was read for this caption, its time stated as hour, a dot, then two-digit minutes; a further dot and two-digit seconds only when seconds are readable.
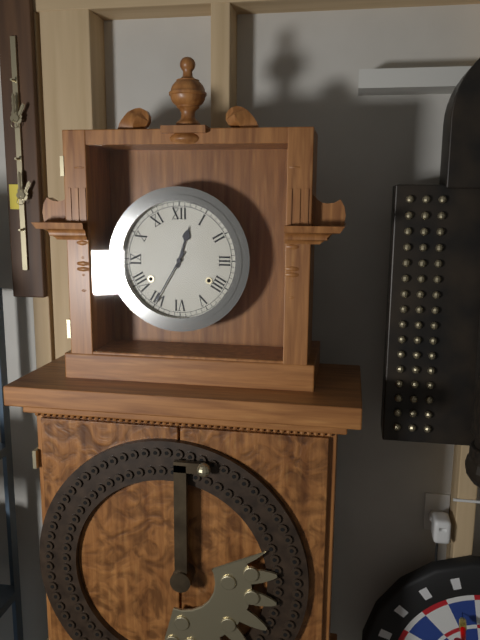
12.35
